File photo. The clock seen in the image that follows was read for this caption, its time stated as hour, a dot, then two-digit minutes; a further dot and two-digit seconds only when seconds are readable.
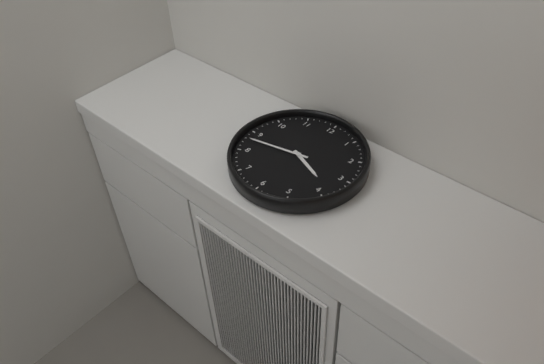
3.43
